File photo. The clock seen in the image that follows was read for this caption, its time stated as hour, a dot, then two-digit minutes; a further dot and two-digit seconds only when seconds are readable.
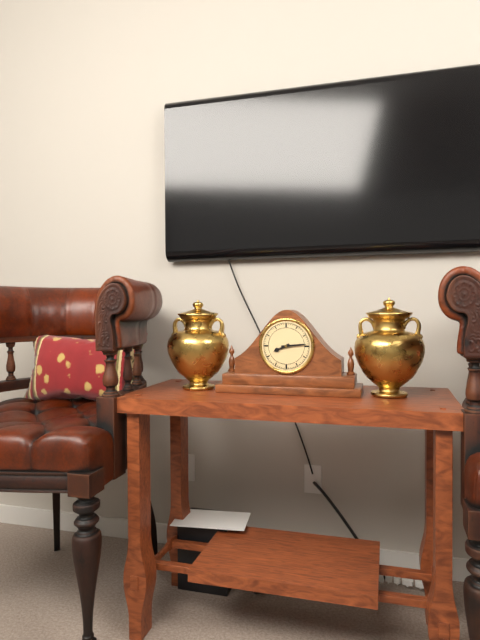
8.14
